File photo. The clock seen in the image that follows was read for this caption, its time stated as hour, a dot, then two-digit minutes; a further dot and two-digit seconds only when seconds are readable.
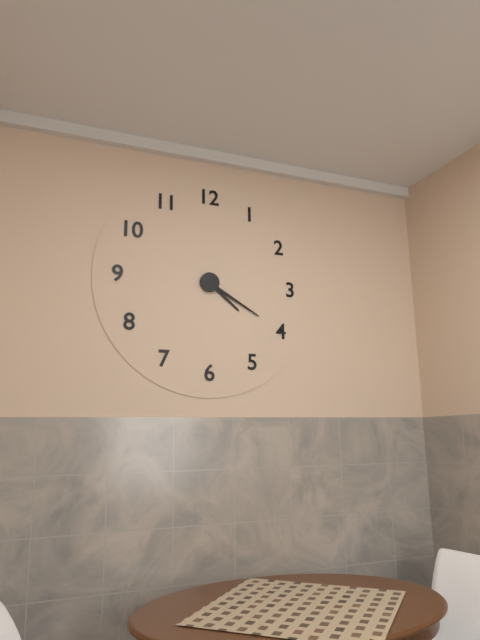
4.20
